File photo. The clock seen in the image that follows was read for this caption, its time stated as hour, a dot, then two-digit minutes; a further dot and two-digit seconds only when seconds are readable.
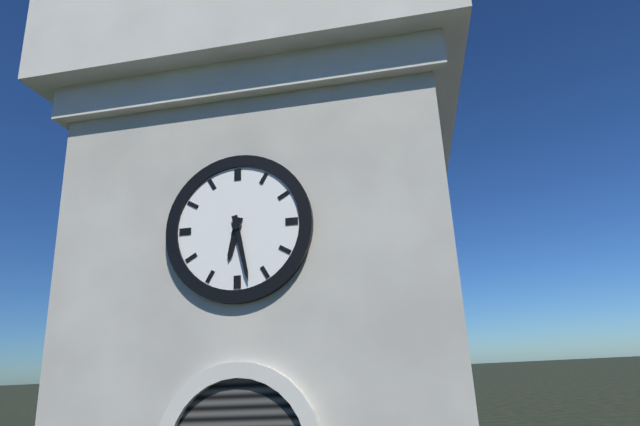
6.28
